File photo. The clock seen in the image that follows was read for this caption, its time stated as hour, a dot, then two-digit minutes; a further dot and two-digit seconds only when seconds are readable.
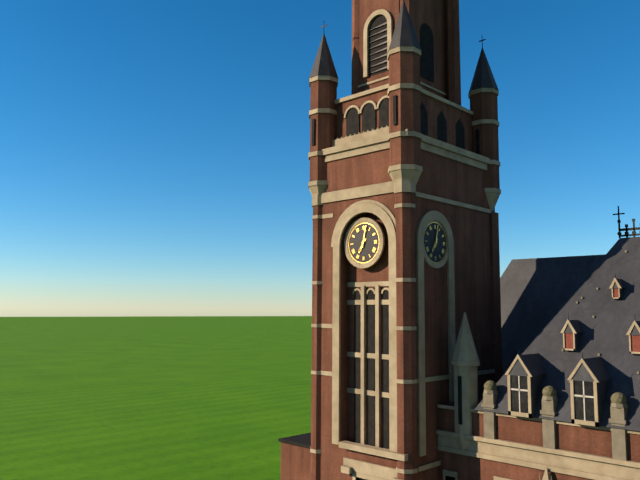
7.02
